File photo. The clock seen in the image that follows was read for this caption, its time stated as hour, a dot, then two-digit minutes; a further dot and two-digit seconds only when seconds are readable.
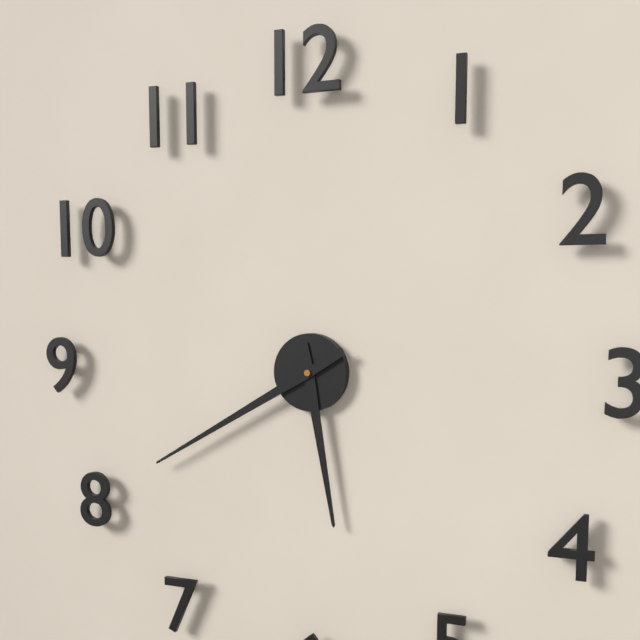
5.40
